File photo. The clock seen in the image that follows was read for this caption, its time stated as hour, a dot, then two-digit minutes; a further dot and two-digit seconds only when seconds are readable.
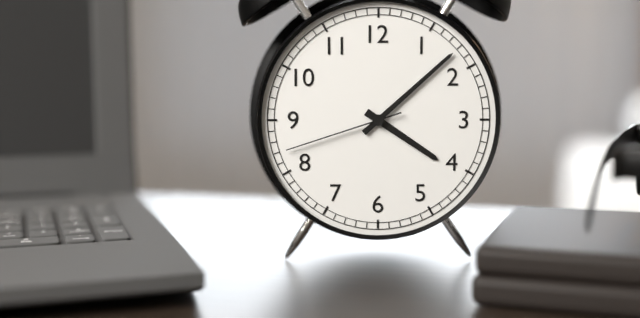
4.08.42
